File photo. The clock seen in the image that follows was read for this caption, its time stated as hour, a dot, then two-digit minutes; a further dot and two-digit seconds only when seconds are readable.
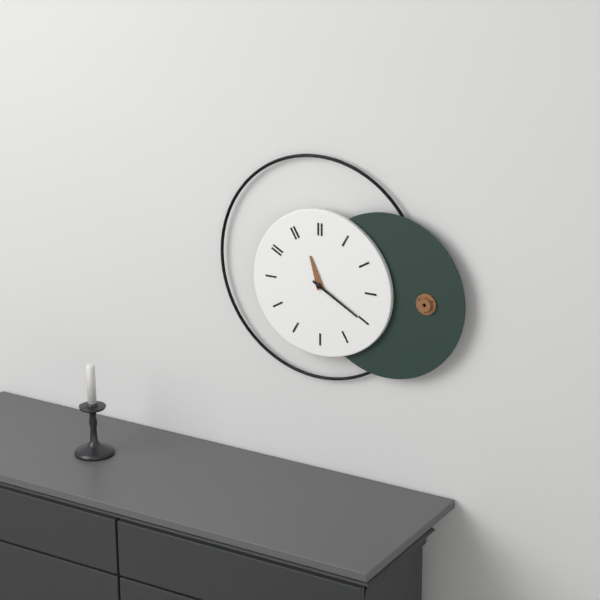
11.20
